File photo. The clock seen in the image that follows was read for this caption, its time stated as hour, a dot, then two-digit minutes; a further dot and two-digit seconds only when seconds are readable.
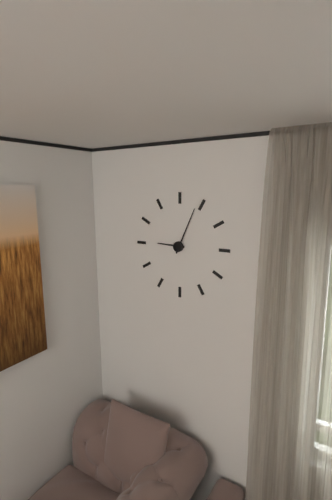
9.04
